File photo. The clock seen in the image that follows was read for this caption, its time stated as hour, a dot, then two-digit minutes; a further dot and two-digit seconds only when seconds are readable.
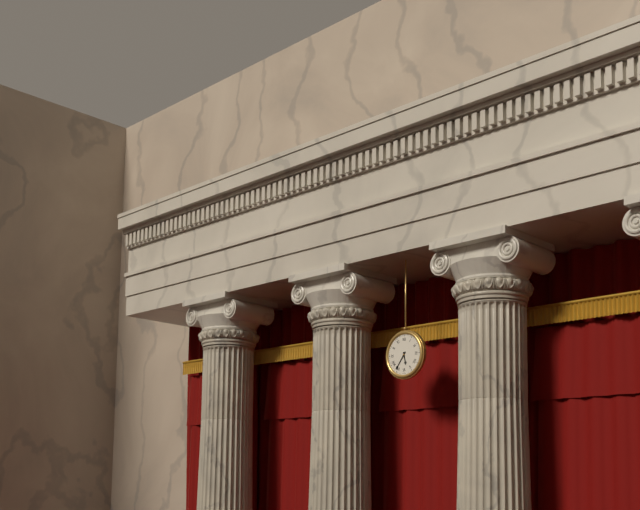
5.36
